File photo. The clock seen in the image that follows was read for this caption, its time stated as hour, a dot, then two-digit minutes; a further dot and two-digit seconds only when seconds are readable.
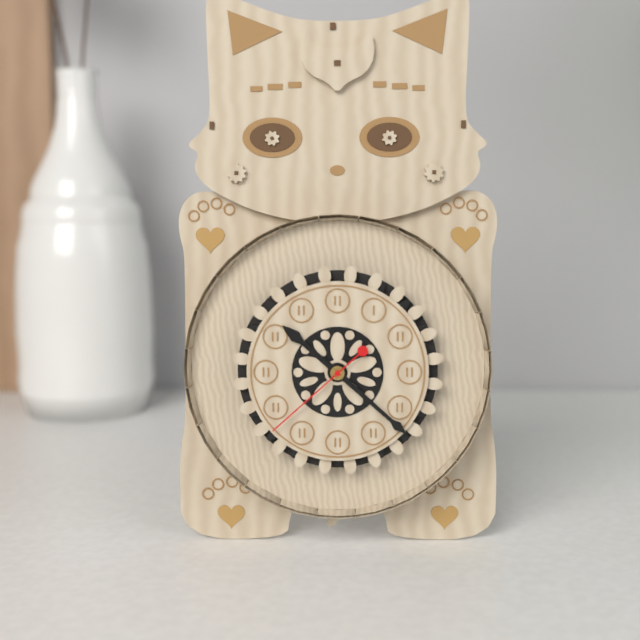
10.22.38
